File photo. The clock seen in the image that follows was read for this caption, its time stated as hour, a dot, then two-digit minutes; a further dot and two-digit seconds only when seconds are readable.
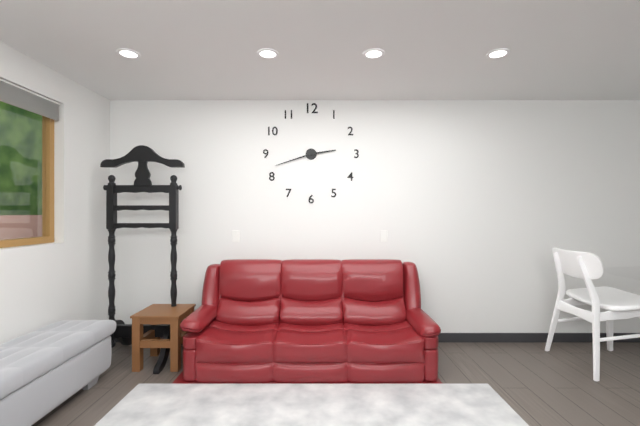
2.42
